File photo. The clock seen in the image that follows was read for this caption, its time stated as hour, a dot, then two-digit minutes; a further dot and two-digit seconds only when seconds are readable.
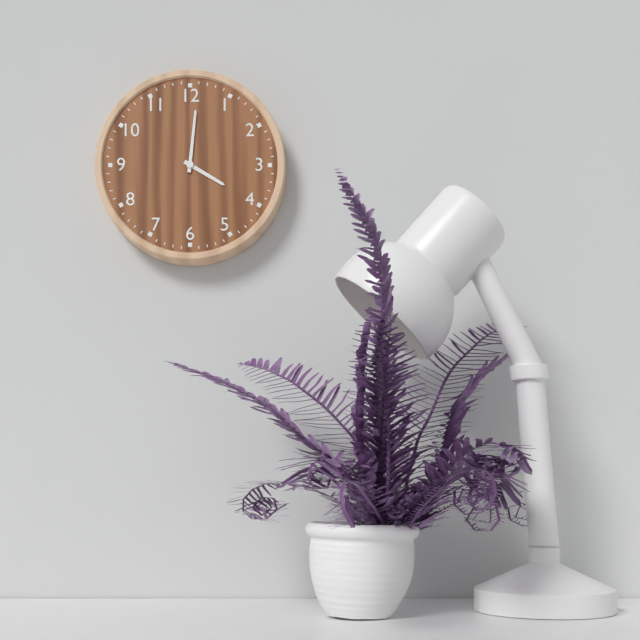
4.01
